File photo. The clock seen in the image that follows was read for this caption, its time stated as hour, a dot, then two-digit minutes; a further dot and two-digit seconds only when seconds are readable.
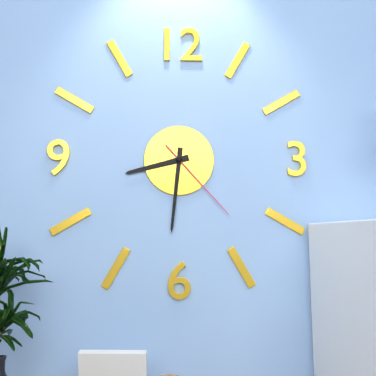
8.31.23
